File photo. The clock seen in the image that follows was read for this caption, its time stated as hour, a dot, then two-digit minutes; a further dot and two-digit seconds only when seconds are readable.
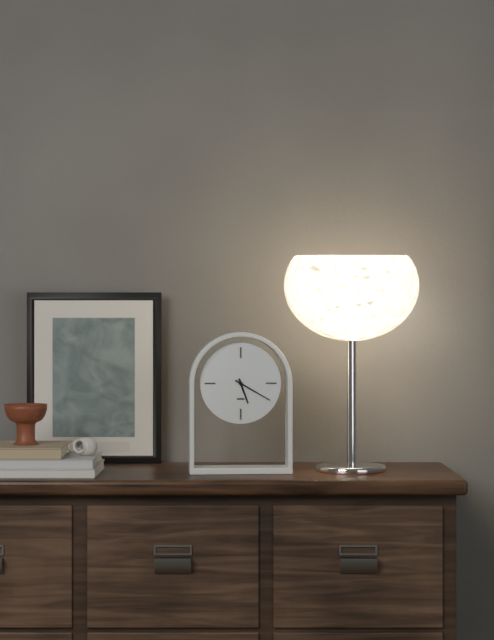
5.20
